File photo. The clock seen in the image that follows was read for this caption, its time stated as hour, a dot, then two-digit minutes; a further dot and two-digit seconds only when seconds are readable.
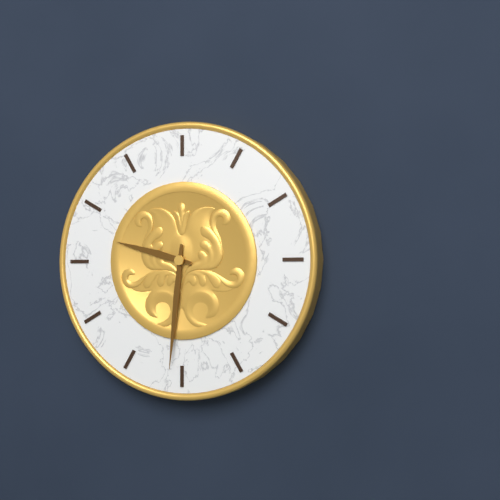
9.31
